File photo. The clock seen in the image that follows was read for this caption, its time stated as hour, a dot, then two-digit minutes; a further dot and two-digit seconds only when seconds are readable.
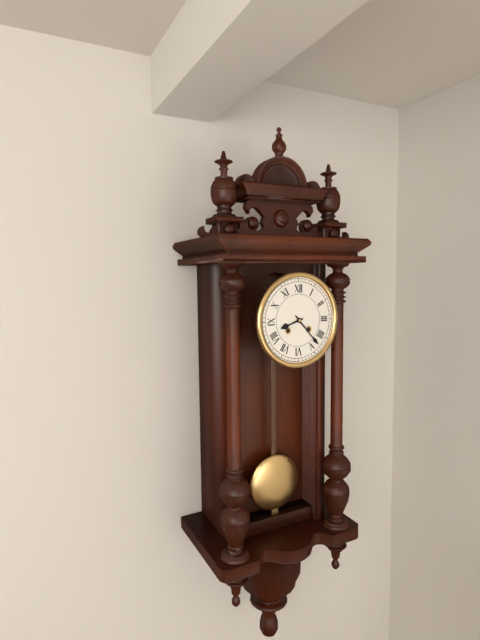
8.23
